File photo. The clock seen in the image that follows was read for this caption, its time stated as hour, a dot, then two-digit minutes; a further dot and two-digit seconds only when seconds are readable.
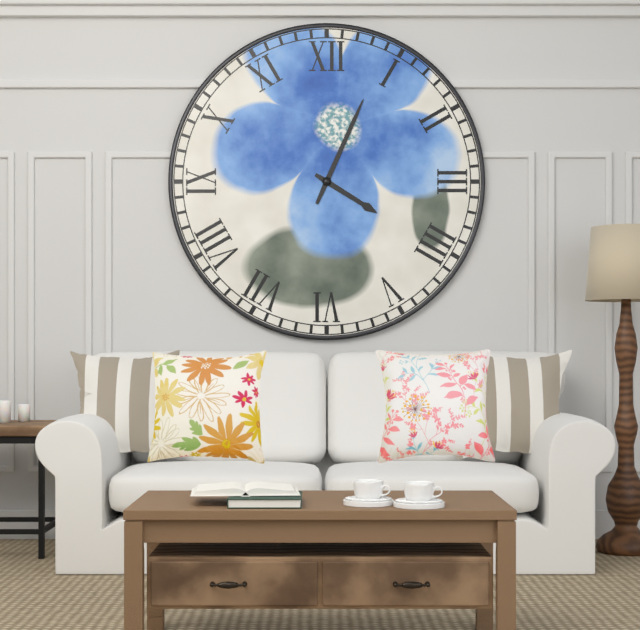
4.04
